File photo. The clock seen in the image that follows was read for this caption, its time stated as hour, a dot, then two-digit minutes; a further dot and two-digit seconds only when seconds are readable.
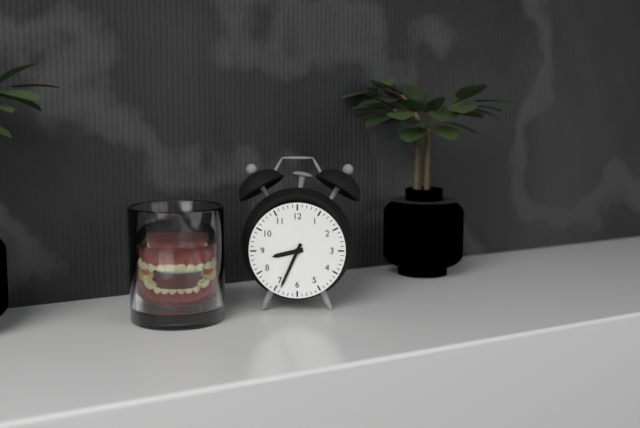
8.34
